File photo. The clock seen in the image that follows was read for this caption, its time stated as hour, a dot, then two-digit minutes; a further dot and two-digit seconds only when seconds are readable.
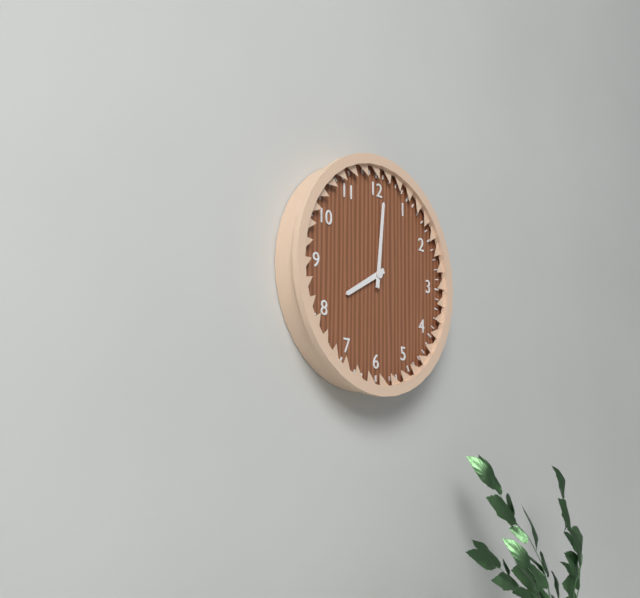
8.01
